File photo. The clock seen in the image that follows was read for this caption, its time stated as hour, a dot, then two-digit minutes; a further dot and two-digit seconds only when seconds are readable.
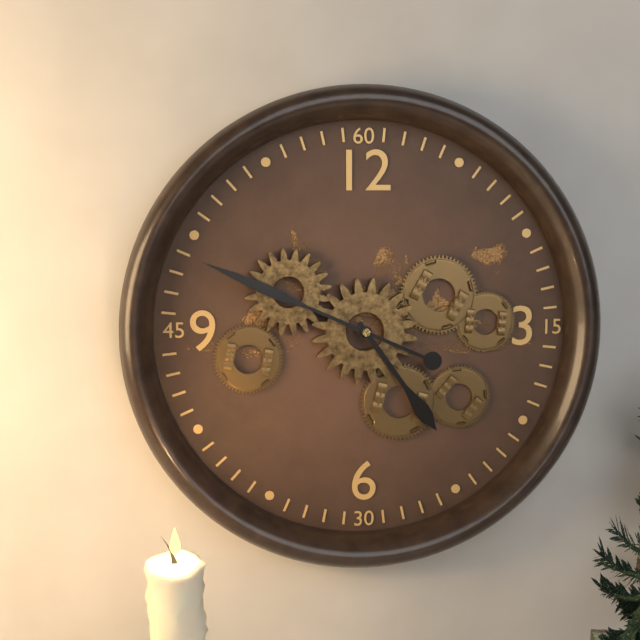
4.49
